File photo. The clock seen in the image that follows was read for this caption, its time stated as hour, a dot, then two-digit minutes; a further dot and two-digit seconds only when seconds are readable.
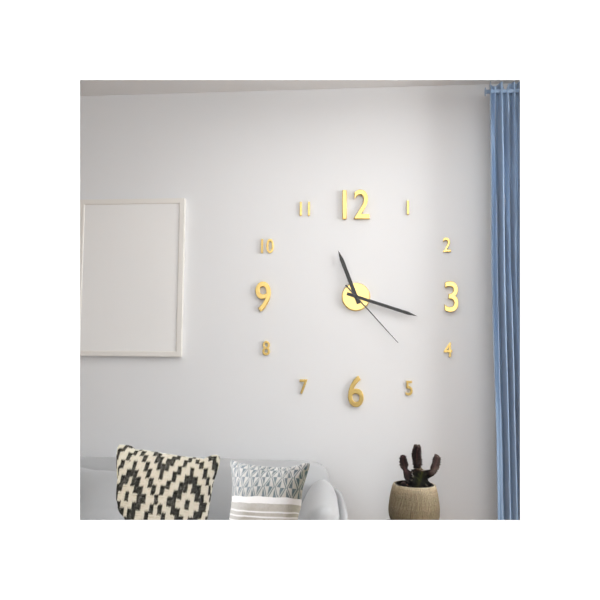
11.18.23
